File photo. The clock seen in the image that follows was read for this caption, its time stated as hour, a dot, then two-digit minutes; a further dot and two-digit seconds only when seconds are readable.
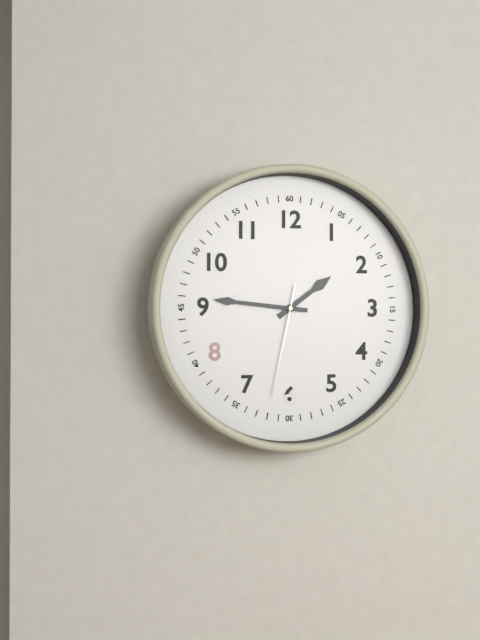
1.46.32
